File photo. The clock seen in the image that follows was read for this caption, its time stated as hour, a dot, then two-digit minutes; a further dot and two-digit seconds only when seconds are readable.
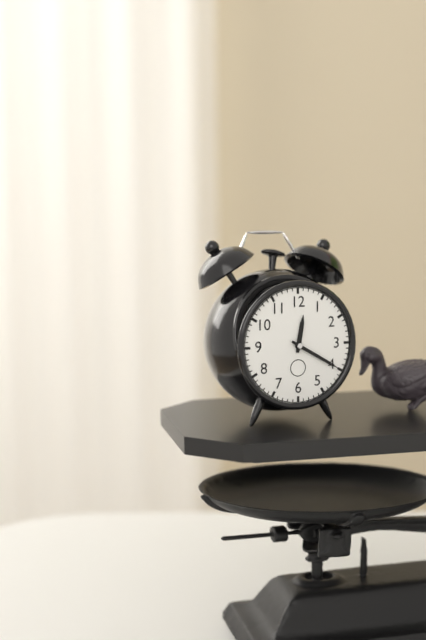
12.20
